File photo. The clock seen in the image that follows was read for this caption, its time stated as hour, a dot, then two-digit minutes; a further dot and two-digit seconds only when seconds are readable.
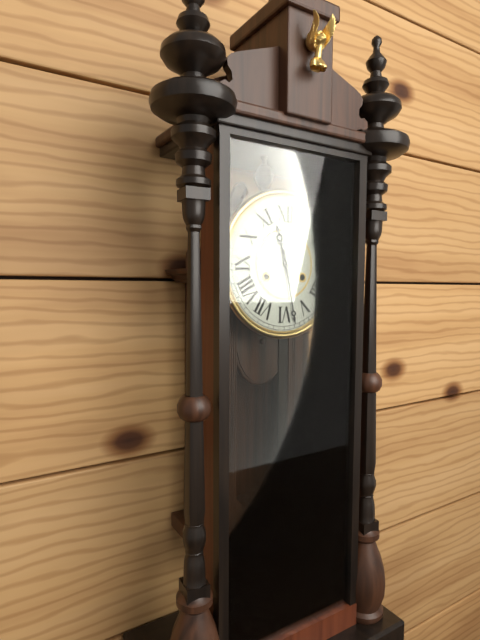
11.28
